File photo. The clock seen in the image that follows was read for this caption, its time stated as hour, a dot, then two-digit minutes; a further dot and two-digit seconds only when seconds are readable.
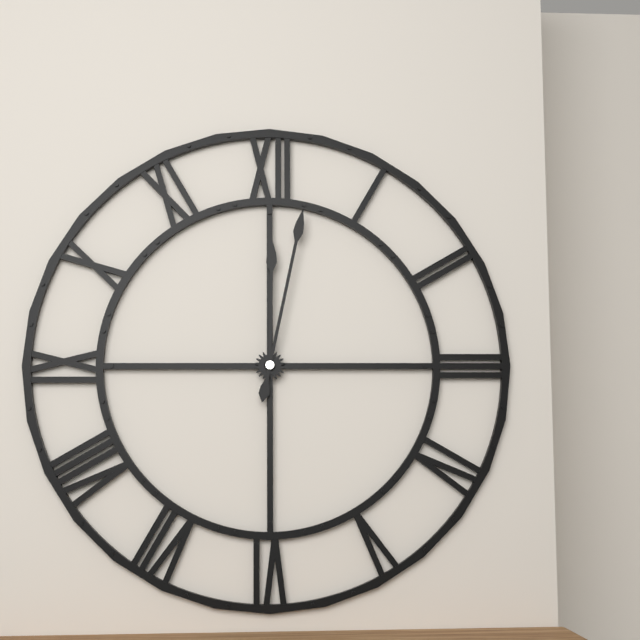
12.02
